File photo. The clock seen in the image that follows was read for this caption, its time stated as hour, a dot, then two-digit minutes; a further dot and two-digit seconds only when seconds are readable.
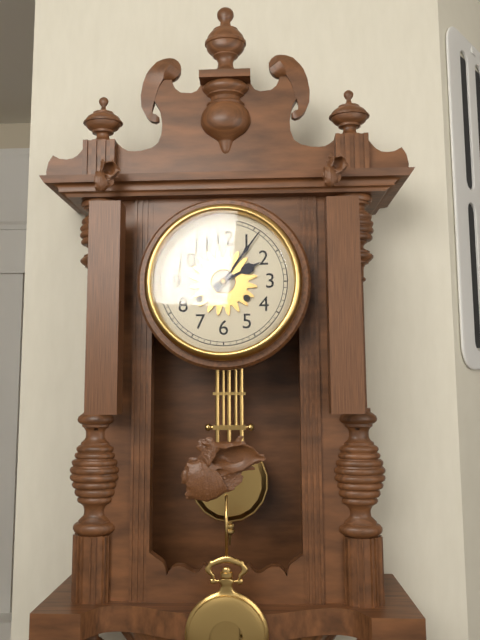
2.06
